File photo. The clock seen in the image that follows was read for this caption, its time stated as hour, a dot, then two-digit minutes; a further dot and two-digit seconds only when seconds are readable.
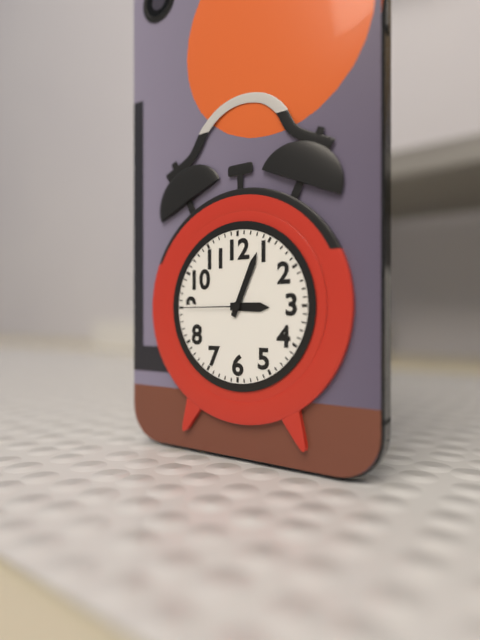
3.04.45
